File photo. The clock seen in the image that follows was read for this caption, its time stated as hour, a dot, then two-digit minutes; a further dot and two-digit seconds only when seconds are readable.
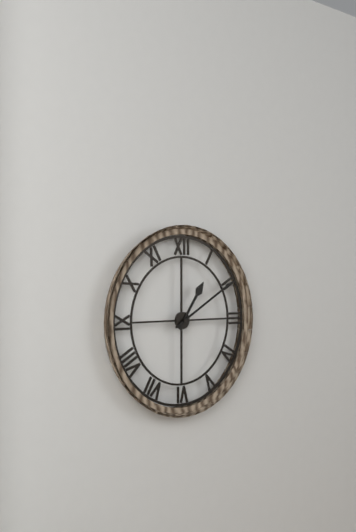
1.10
